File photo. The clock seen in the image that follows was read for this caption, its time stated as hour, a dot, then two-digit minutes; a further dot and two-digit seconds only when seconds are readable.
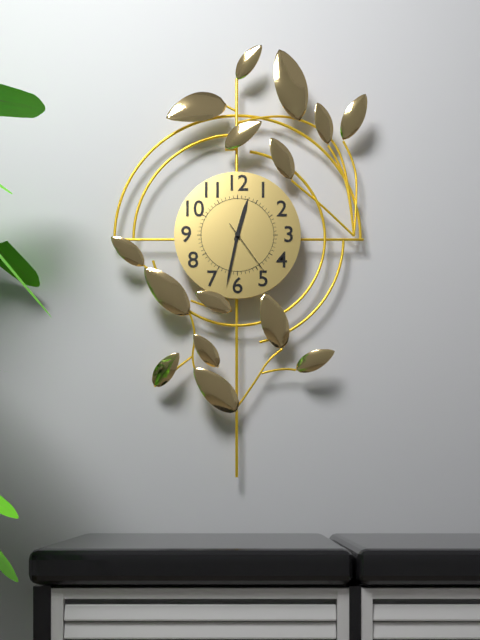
12.32.24
